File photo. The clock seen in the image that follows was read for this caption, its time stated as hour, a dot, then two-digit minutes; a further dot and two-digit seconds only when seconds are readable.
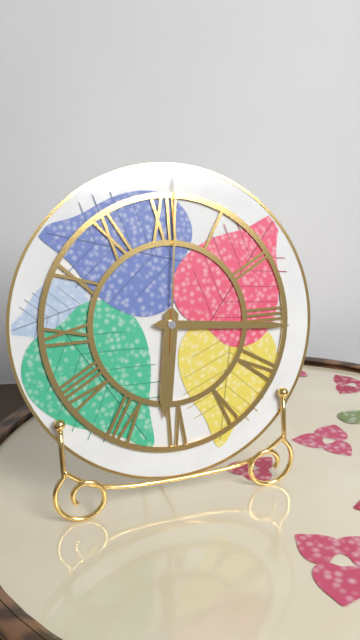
6.16.01
